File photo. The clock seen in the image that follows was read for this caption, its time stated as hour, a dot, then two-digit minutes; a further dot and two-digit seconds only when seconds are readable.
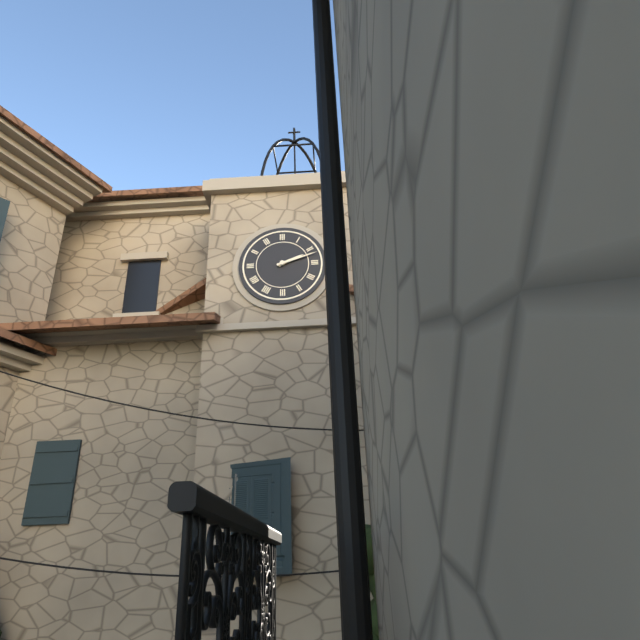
2.12
